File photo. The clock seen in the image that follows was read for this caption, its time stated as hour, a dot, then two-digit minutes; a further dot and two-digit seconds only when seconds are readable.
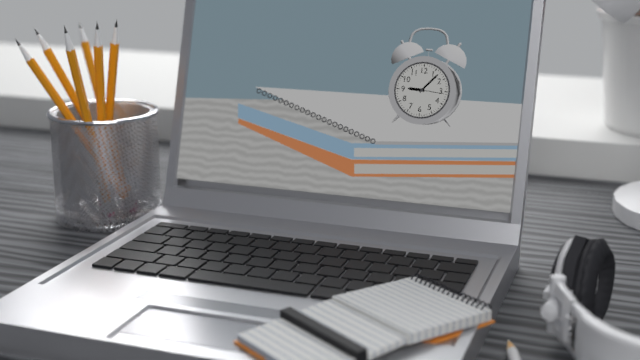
9.07
